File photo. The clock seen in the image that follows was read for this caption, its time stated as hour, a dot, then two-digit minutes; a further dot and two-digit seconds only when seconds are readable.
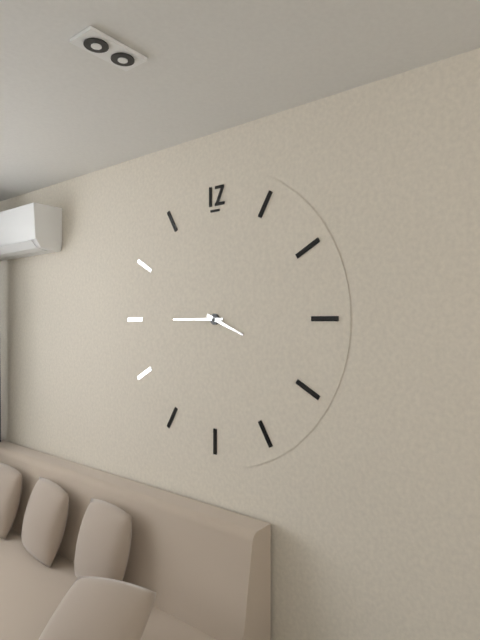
3.45
